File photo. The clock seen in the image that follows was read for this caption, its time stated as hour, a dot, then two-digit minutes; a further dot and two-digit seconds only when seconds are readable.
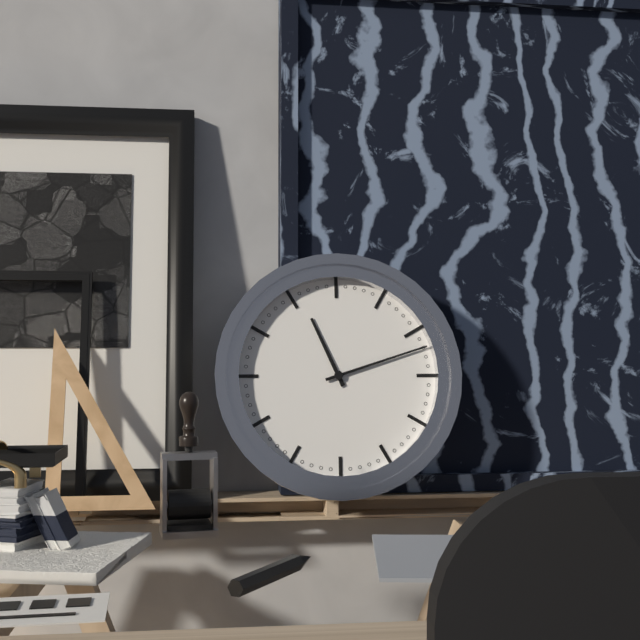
11.12
